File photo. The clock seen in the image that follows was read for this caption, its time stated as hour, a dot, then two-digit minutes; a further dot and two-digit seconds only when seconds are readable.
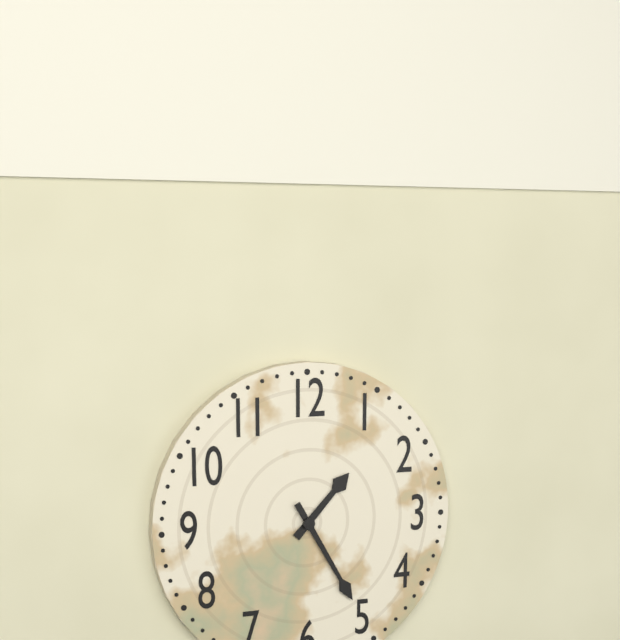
1.25
